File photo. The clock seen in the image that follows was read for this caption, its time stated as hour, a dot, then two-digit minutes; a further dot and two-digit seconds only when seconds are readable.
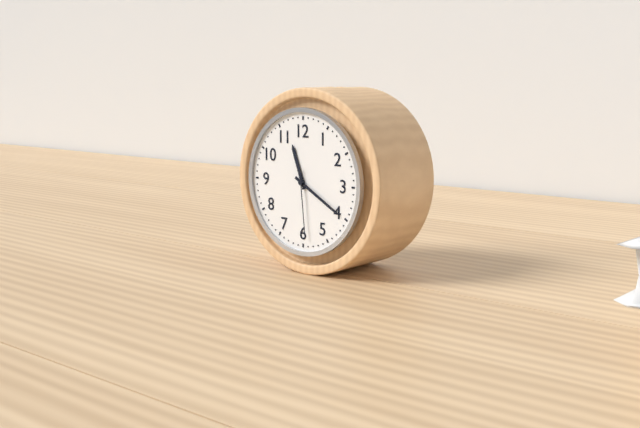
11.20.29
